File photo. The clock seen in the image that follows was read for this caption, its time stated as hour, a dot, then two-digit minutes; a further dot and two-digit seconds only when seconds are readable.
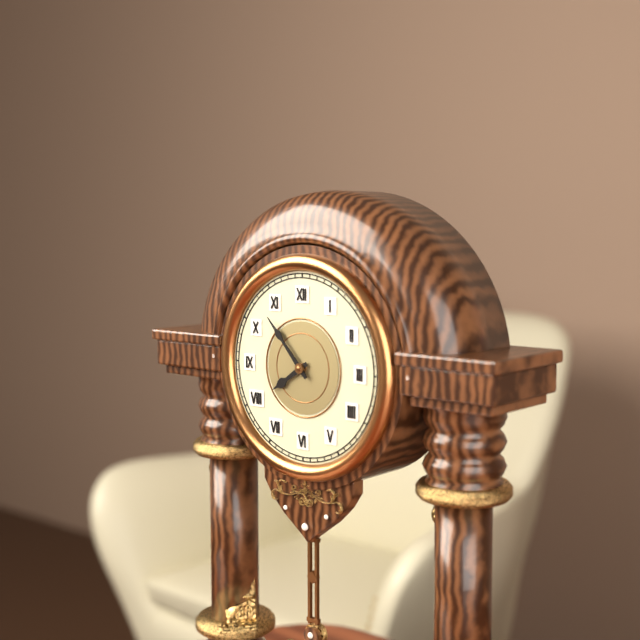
7.53
